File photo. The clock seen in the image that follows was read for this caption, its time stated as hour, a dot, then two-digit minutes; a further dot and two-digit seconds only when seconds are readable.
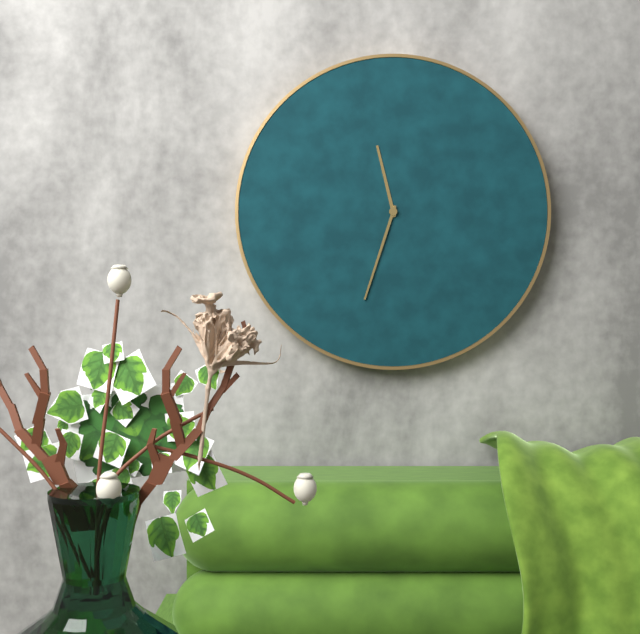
11.33
